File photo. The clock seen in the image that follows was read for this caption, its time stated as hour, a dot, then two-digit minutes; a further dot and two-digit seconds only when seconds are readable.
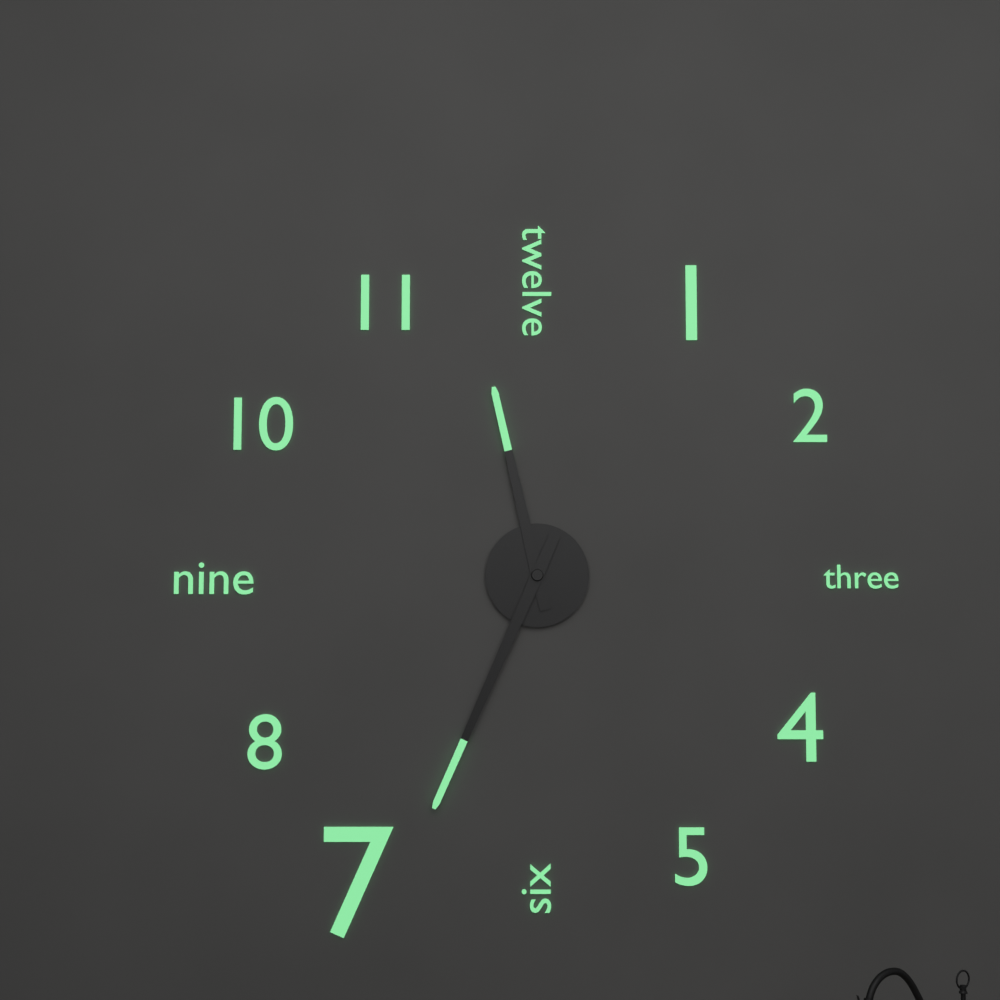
11.34
